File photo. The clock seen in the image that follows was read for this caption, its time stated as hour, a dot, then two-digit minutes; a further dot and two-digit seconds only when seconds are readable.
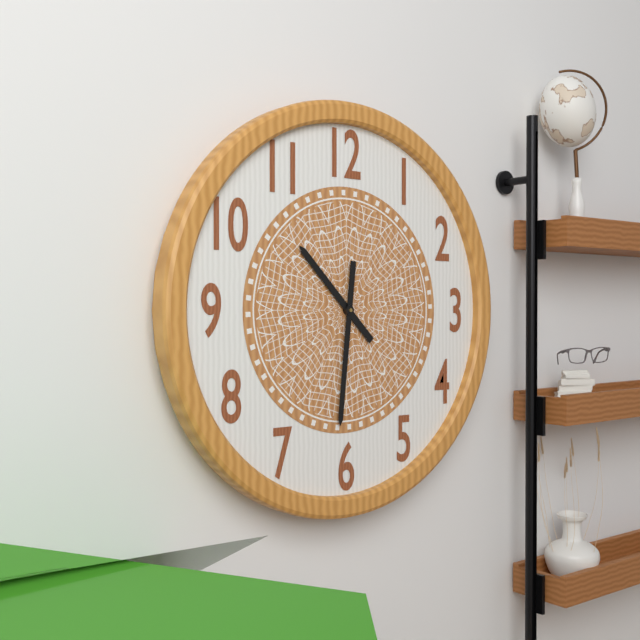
10.31
